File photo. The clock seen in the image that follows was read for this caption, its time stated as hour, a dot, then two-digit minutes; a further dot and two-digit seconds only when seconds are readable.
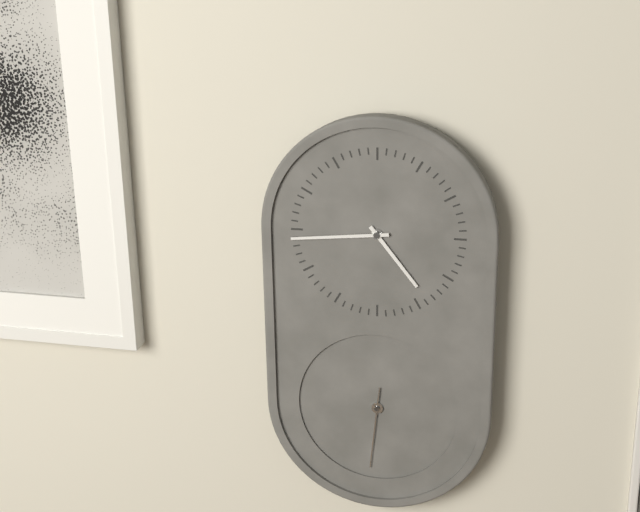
4.44.31
